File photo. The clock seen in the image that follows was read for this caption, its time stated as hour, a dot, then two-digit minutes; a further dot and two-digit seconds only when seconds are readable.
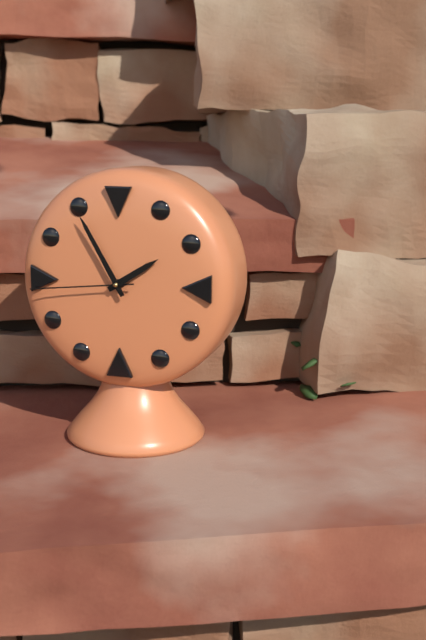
1.55.44
